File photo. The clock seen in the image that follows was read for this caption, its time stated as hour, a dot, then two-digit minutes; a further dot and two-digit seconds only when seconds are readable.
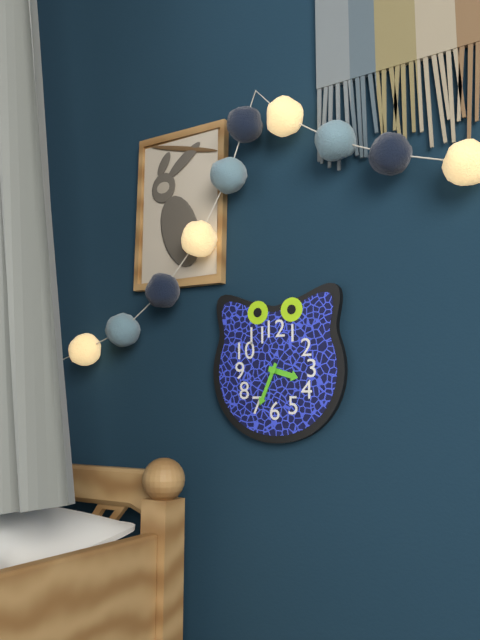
3.34
